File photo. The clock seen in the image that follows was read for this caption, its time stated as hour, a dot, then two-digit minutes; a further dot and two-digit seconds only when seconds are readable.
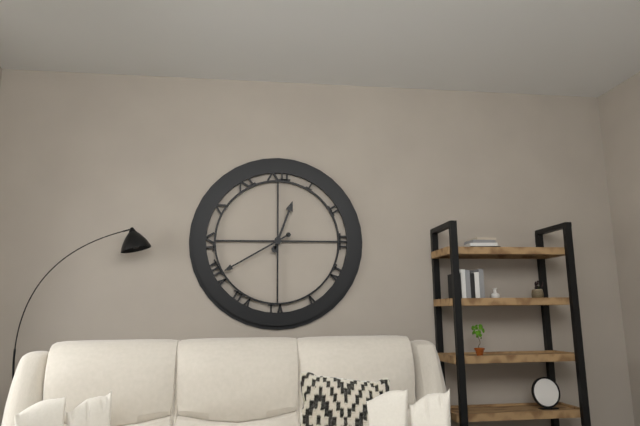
12.40
